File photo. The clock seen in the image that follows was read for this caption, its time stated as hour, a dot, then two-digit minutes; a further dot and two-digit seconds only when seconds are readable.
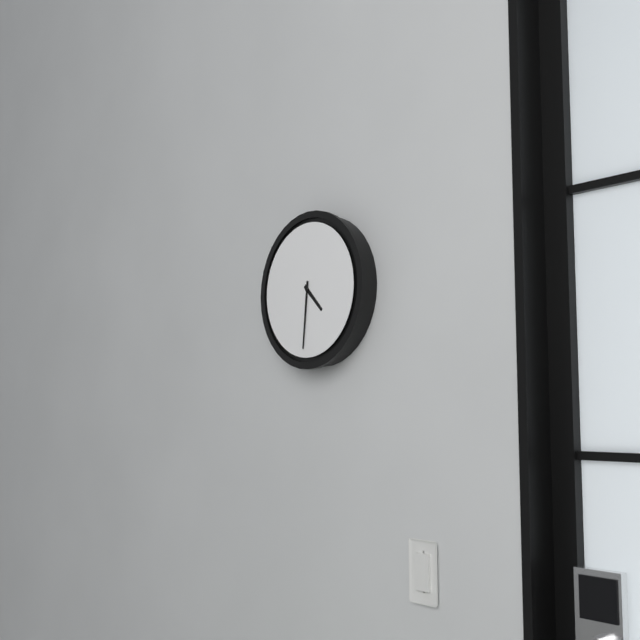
4.31
